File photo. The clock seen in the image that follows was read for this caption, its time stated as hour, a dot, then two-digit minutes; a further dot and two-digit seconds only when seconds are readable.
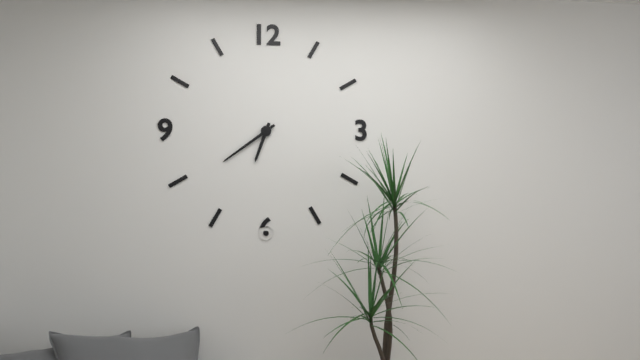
6.39
